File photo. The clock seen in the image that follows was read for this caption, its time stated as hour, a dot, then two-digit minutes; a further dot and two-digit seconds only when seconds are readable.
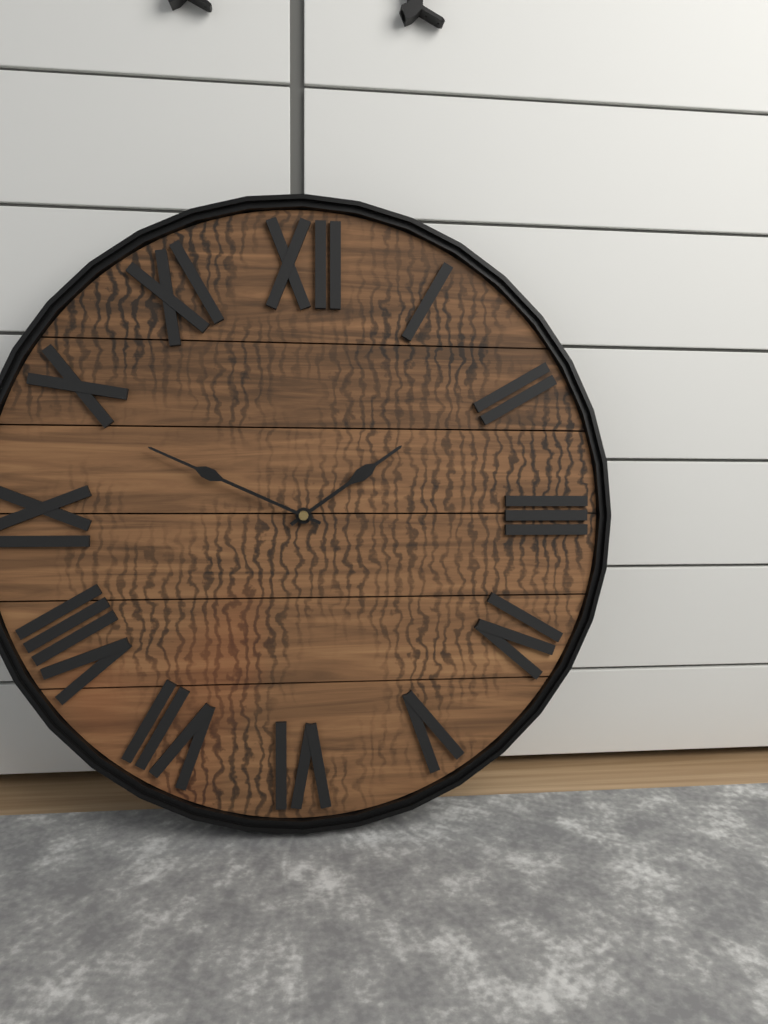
1.49
